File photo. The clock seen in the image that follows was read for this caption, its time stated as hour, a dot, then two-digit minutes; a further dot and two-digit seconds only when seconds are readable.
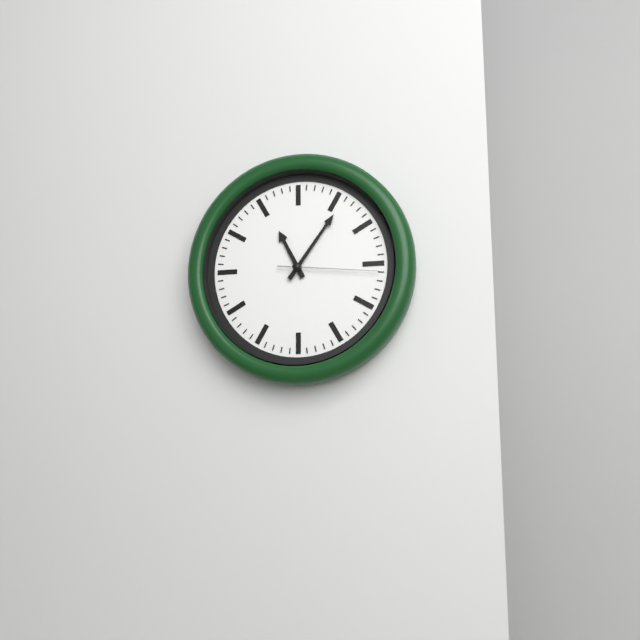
11.06.16
